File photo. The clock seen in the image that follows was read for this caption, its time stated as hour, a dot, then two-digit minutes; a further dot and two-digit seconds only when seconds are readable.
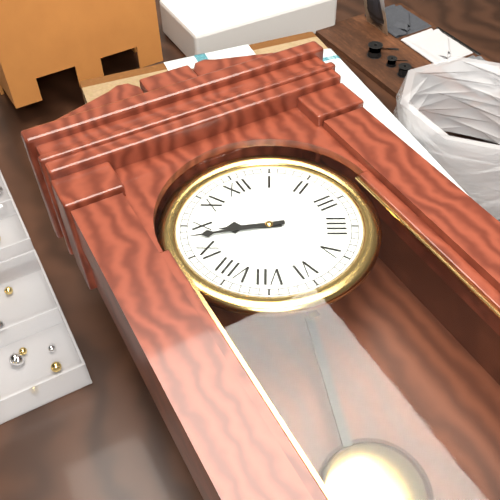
9.48
